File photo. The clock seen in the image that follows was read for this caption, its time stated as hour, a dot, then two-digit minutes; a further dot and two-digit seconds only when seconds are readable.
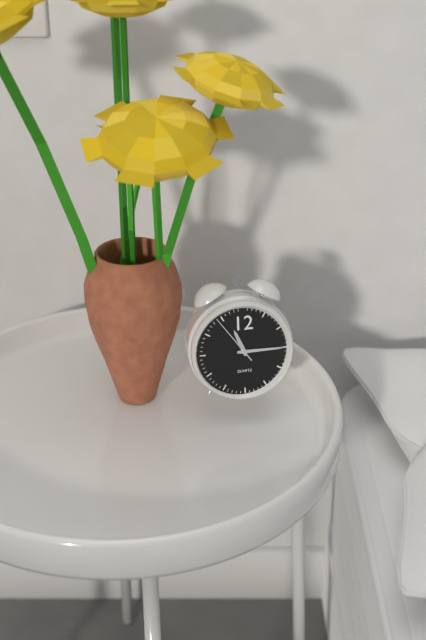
11.15.54
